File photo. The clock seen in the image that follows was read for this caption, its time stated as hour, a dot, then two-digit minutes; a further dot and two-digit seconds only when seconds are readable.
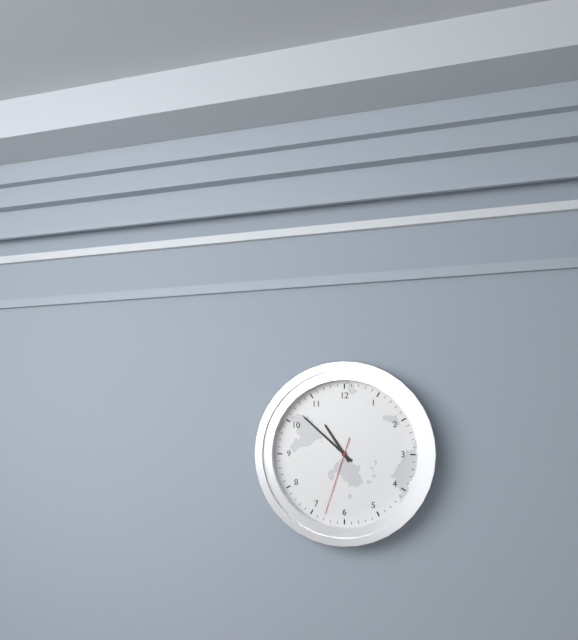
10.52.33
